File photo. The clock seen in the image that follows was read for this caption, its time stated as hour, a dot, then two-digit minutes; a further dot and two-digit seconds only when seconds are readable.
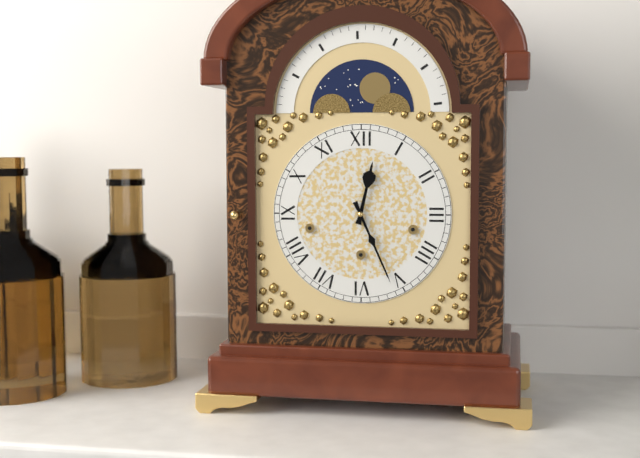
12.26
